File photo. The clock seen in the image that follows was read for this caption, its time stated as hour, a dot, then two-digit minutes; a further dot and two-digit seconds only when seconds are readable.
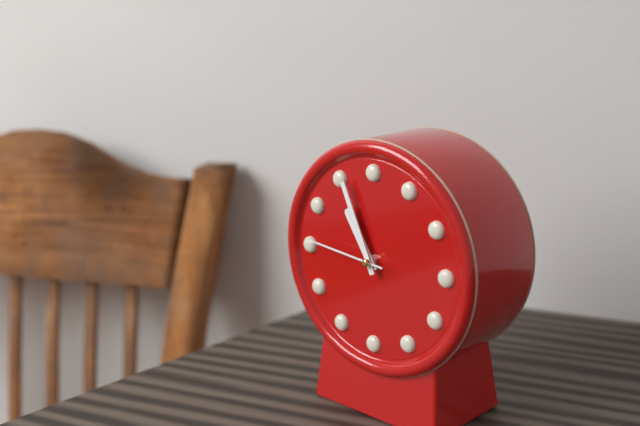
10.56.46
